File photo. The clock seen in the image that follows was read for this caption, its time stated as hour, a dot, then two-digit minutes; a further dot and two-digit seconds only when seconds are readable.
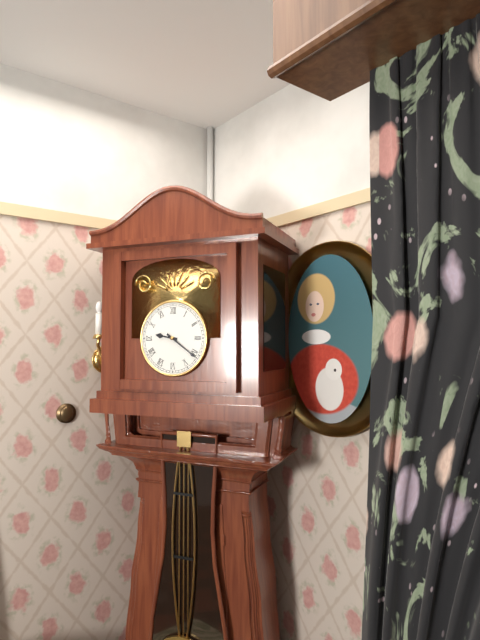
9.21
